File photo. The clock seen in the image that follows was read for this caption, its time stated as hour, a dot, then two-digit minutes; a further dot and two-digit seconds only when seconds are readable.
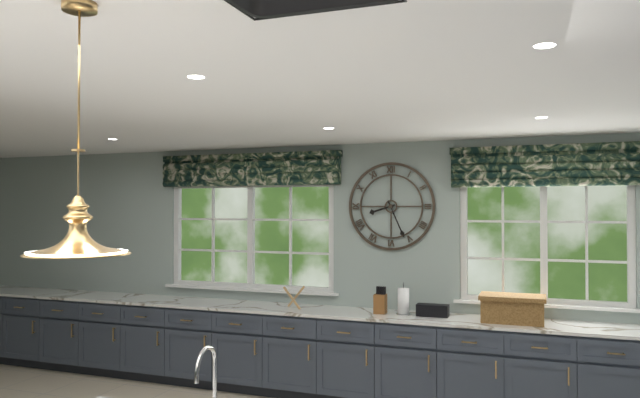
8.26
